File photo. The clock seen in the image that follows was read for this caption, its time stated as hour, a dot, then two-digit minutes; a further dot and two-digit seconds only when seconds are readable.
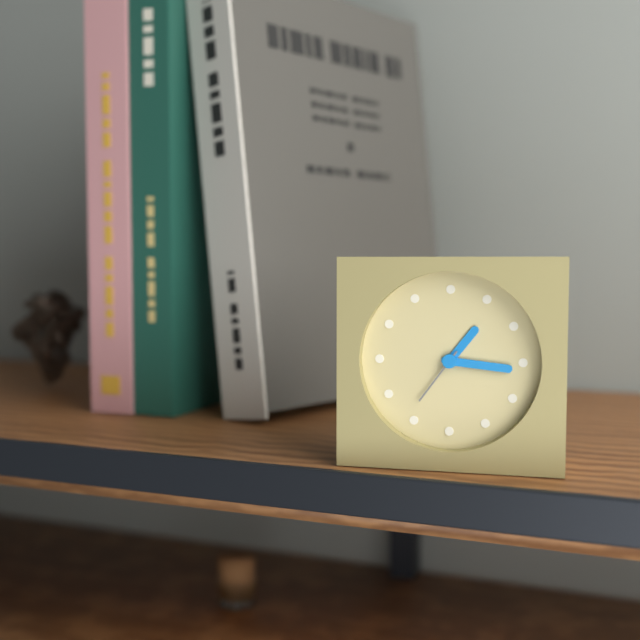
1.16.36
